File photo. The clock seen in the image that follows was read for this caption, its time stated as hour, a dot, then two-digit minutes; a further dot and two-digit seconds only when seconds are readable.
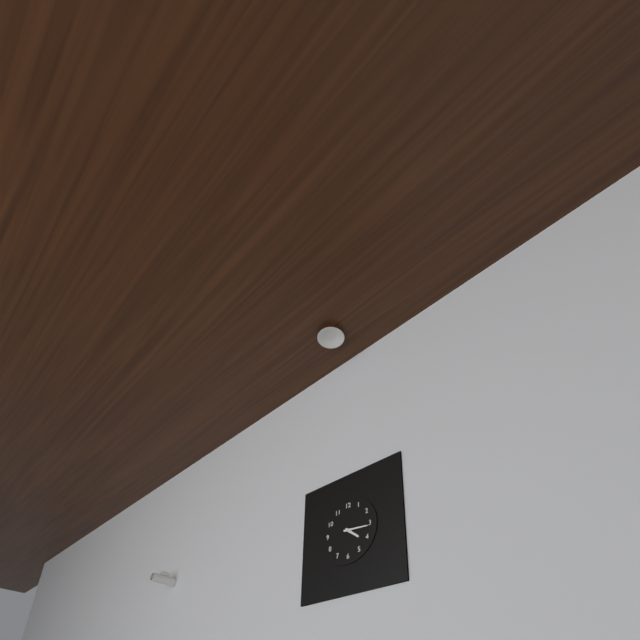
4.16
